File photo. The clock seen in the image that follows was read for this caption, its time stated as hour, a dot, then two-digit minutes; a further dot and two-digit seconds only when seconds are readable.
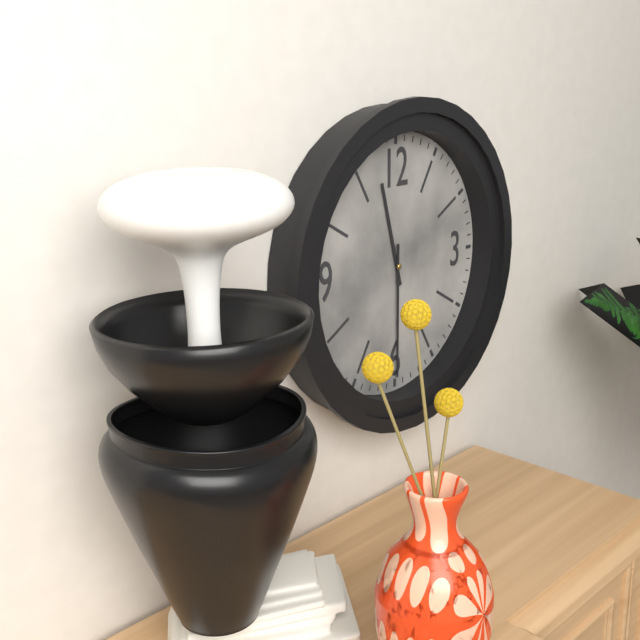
11.30
